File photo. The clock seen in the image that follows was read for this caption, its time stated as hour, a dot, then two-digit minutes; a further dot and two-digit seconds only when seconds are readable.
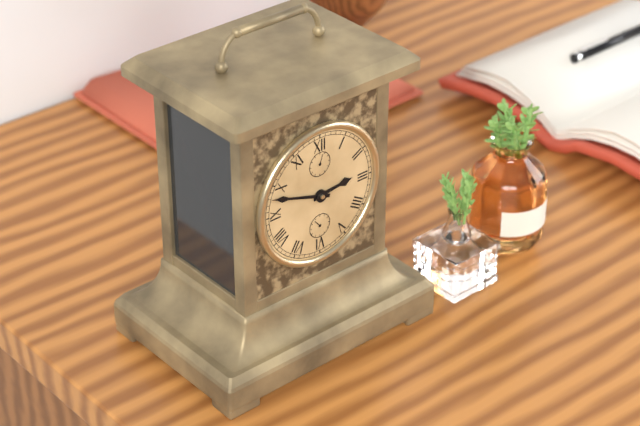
2.48
